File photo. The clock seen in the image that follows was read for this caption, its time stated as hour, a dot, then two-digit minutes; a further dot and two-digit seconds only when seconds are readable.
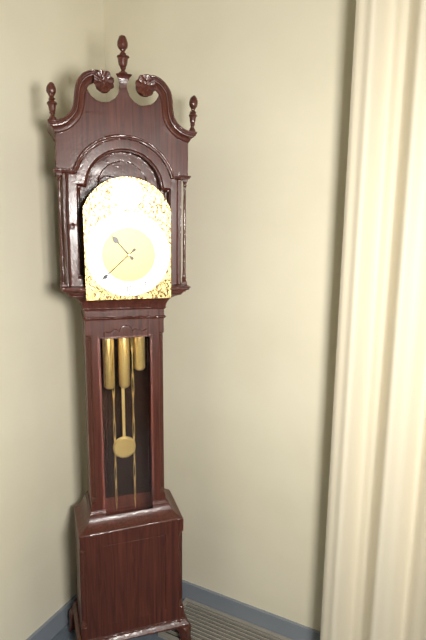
10.38
